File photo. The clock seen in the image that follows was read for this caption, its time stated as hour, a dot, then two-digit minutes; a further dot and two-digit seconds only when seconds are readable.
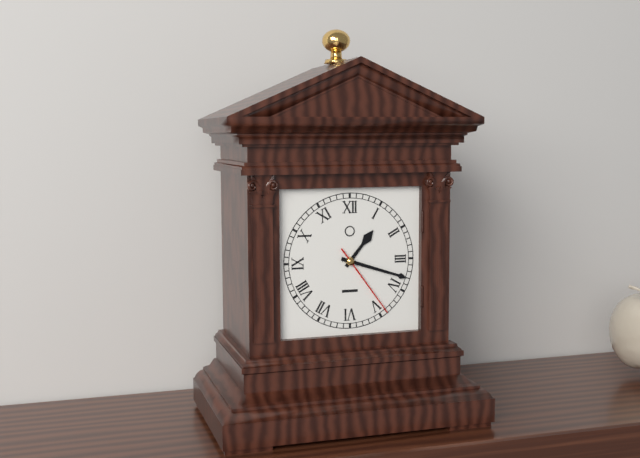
1.18.24
